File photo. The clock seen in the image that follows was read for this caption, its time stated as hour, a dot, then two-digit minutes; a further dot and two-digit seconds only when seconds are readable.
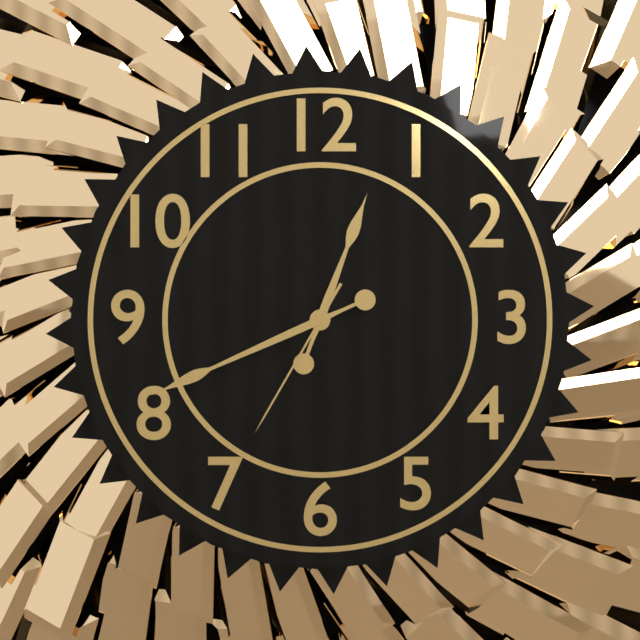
12.41.35
